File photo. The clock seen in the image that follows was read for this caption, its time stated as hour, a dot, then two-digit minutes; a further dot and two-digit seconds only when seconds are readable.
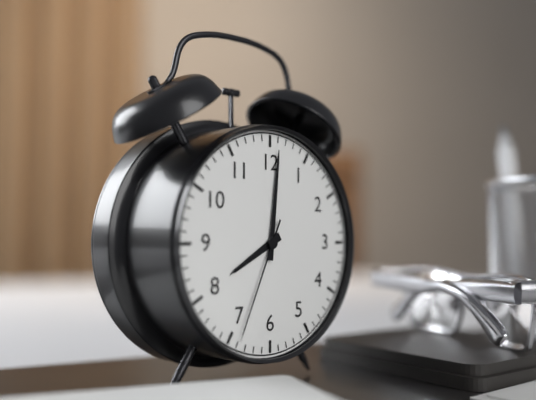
8.01.34
